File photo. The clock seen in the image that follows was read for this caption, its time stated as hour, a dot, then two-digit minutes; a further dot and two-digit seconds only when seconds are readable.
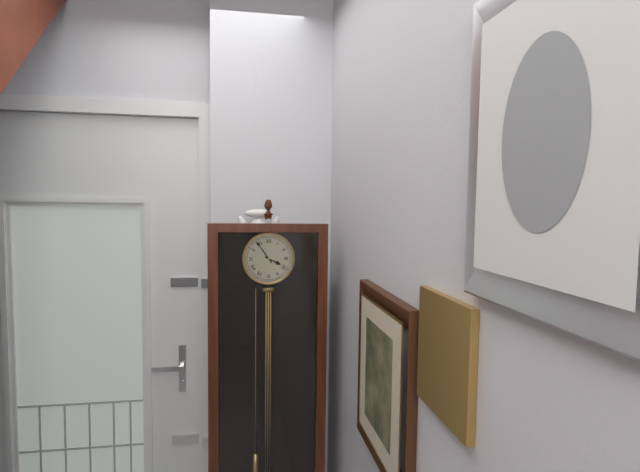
3.54
